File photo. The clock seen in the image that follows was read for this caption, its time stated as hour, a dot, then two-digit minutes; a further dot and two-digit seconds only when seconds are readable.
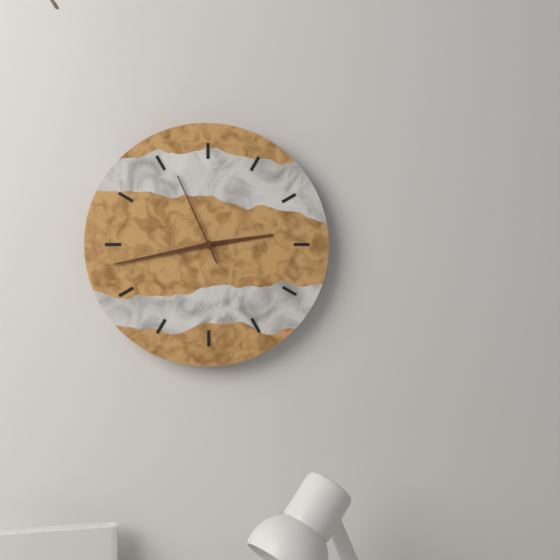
2.43.56
